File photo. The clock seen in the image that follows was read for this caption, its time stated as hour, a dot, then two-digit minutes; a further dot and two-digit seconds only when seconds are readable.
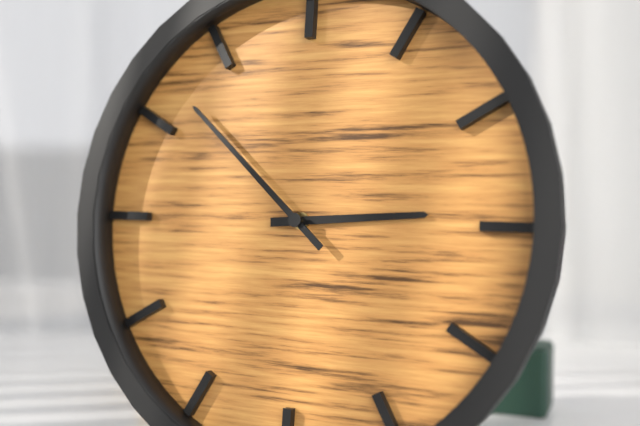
2.52
